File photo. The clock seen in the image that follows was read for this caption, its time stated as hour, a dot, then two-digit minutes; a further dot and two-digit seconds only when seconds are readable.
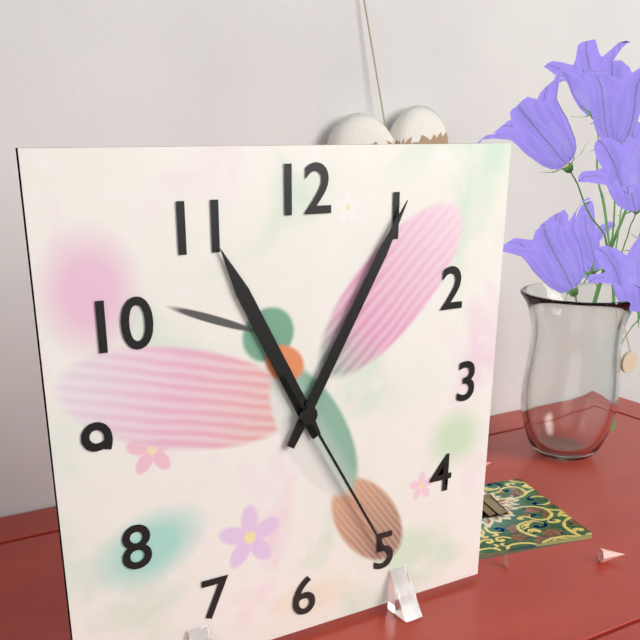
11.05.25
